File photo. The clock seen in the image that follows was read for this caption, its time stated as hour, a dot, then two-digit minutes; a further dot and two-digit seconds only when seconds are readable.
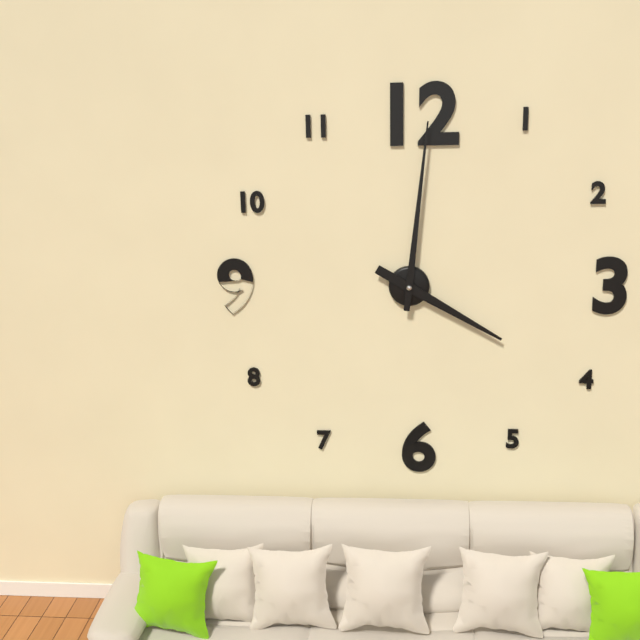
4.01
